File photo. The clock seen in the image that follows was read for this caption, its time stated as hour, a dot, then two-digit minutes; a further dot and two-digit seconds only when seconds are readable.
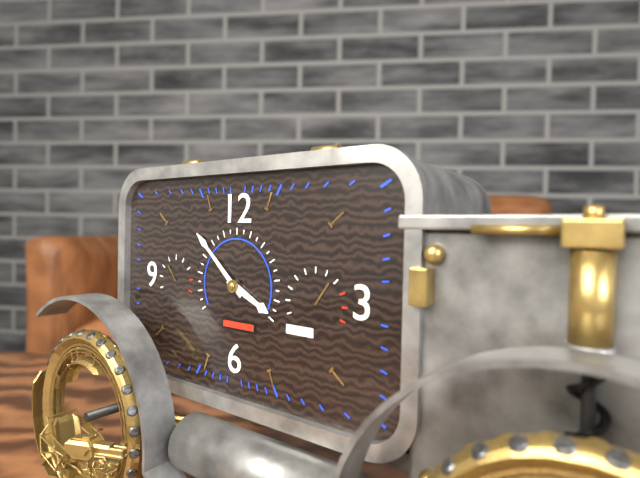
3.52
